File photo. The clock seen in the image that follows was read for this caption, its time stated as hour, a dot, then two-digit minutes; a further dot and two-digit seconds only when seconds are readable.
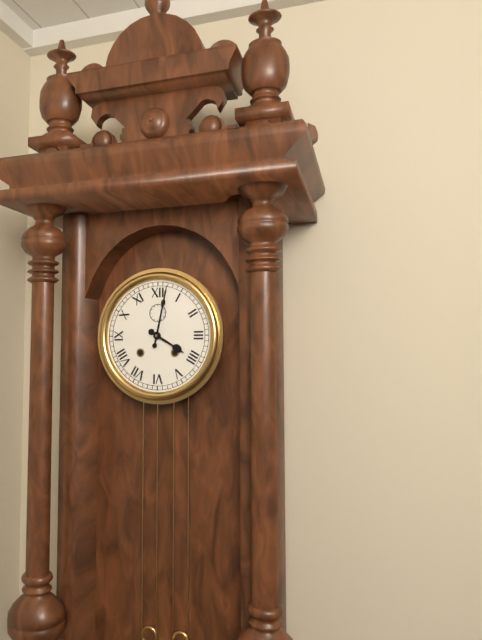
4.02
